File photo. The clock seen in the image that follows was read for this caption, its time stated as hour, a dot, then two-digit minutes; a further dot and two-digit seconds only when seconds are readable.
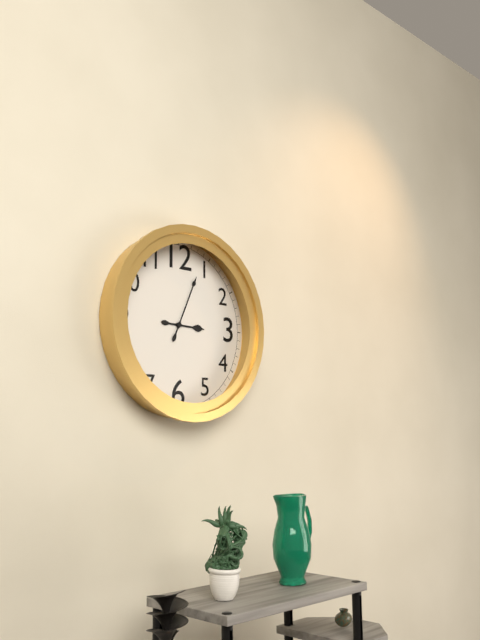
3.04
